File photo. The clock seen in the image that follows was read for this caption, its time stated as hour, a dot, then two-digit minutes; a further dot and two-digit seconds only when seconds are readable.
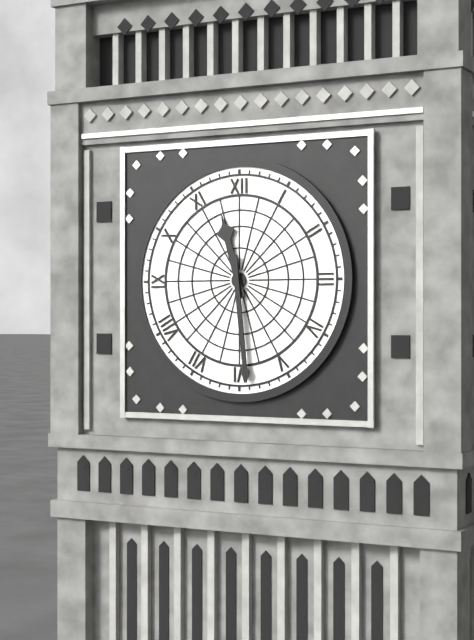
11.29
